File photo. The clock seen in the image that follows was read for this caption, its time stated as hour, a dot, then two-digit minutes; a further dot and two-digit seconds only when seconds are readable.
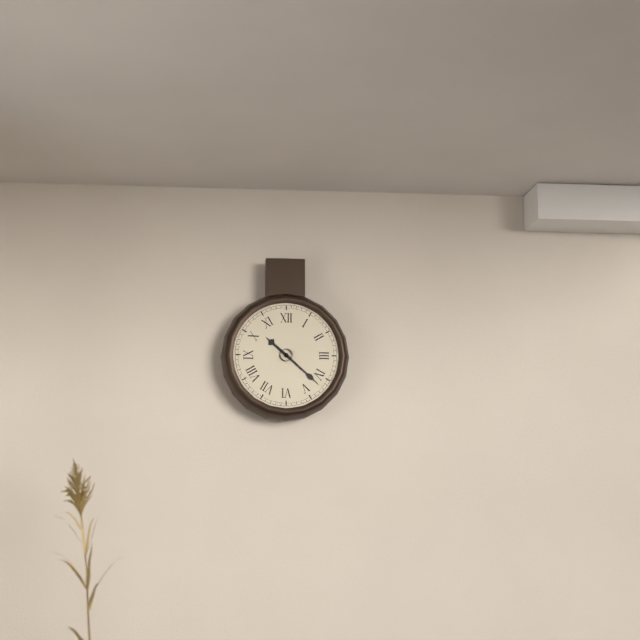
10.22
